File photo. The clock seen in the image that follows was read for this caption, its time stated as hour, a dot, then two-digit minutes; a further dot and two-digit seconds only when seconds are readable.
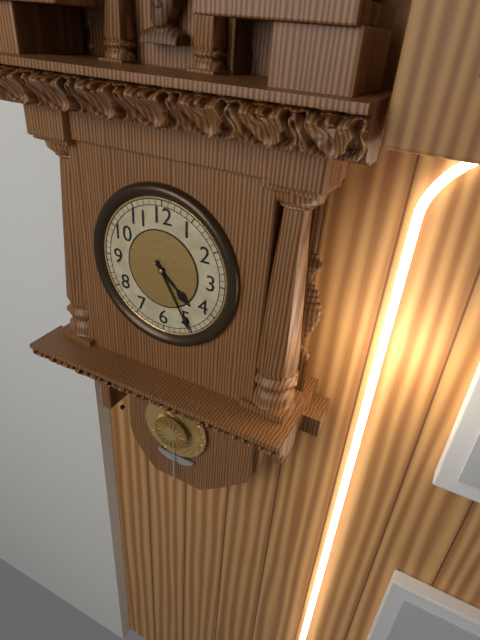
4.25
